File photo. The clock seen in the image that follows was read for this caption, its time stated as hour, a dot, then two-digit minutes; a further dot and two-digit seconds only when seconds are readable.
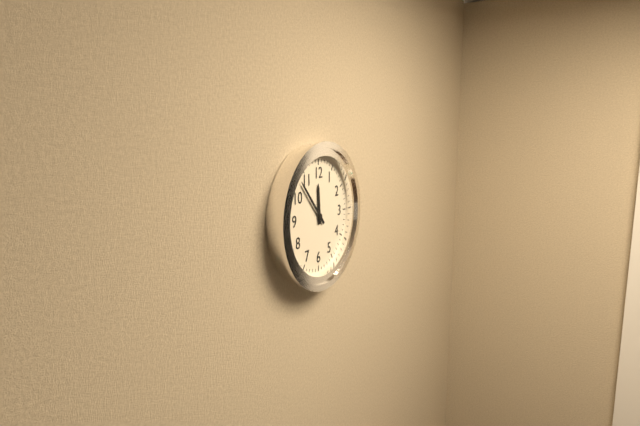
11.53
